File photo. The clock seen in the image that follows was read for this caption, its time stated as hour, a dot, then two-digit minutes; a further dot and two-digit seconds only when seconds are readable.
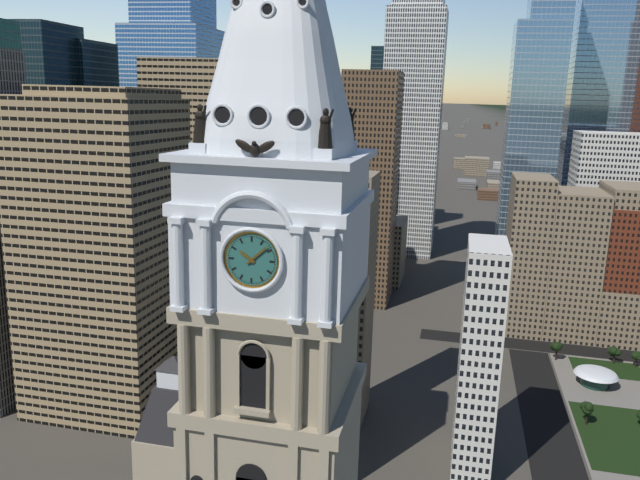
10.08
